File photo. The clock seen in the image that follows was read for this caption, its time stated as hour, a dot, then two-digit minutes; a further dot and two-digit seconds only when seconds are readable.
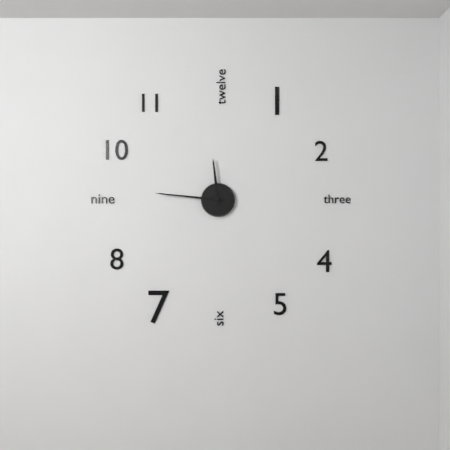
11.46
